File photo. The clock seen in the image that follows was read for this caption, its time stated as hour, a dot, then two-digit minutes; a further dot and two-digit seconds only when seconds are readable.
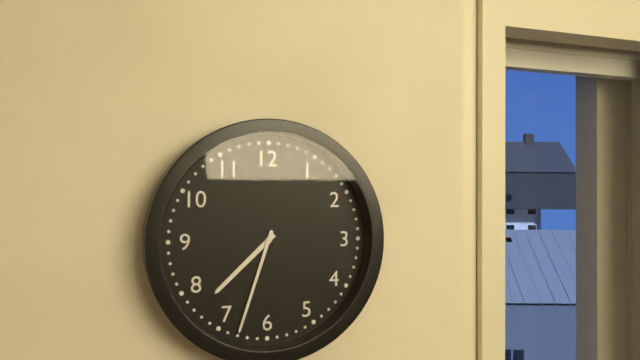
7.33
